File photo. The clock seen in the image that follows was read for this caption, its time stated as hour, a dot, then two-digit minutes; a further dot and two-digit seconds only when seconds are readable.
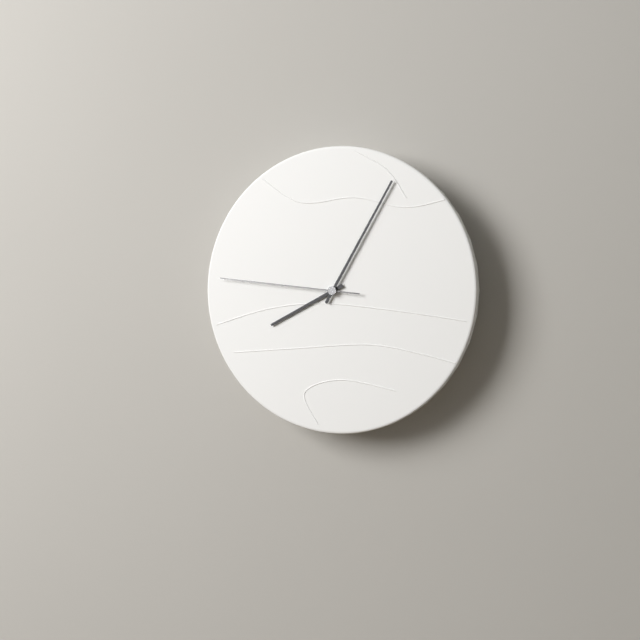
8.05.46
